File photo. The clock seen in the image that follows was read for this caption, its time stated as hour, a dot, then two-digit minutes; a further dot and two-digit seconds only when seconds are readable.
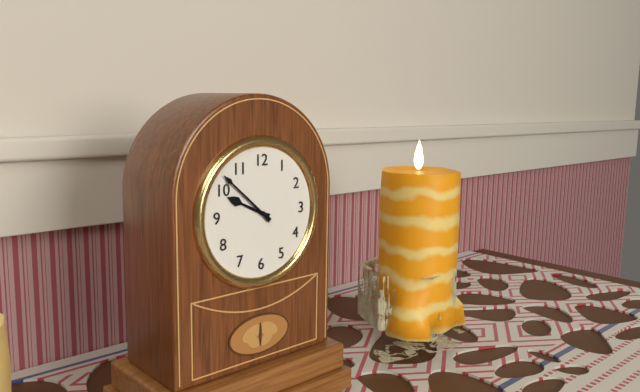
9.52
